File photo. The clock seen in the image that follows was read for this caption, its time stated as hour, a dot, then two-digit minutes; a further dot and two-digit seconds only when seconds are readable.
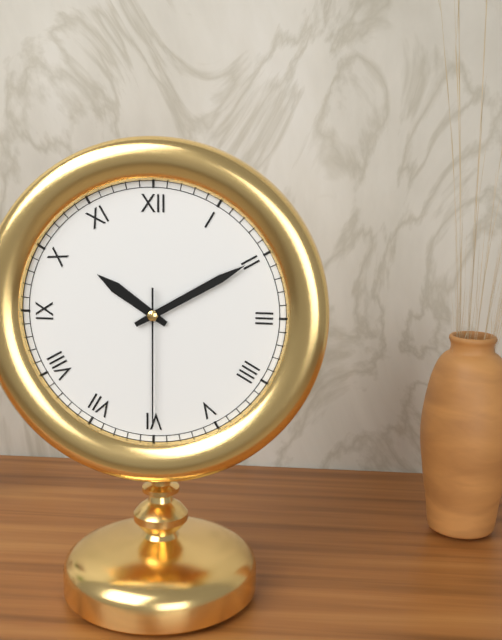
10.10.30
